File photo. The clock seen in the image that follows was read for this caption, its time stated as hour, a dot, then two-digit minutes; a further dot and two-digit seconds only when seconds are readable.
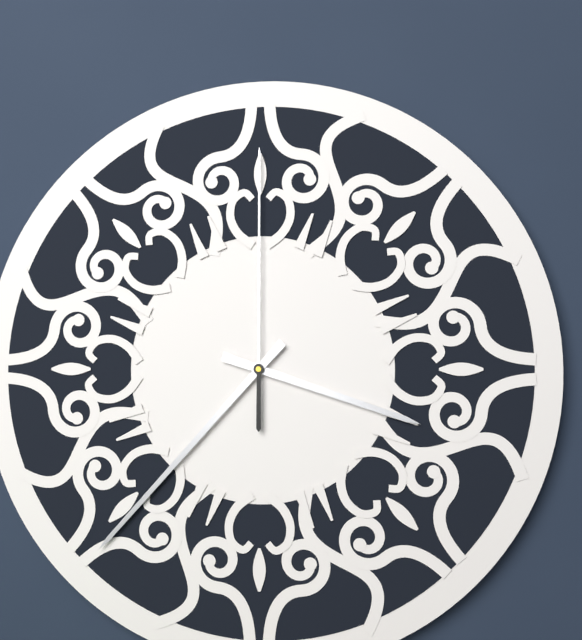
3.37.00
